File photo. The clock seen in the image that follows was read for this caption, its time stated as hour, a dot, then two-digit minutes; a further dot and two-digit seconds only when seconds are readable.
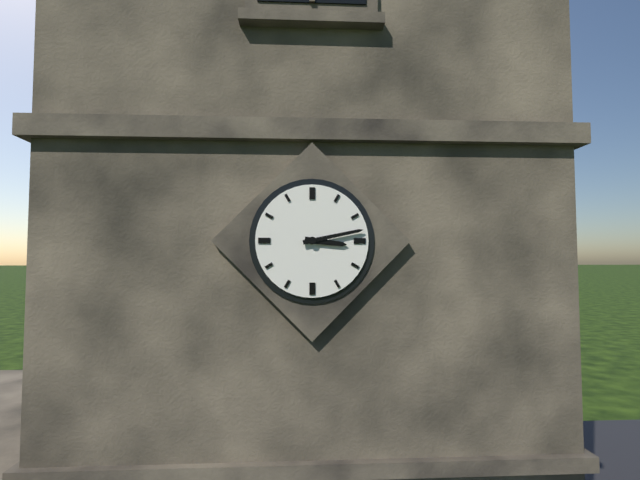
3.13
